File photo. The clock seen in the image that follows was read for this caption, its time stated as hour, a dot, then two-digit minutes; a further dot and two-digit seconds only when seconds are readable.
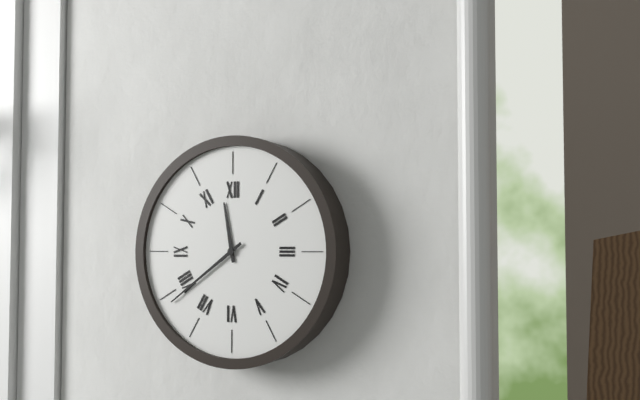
11.39
